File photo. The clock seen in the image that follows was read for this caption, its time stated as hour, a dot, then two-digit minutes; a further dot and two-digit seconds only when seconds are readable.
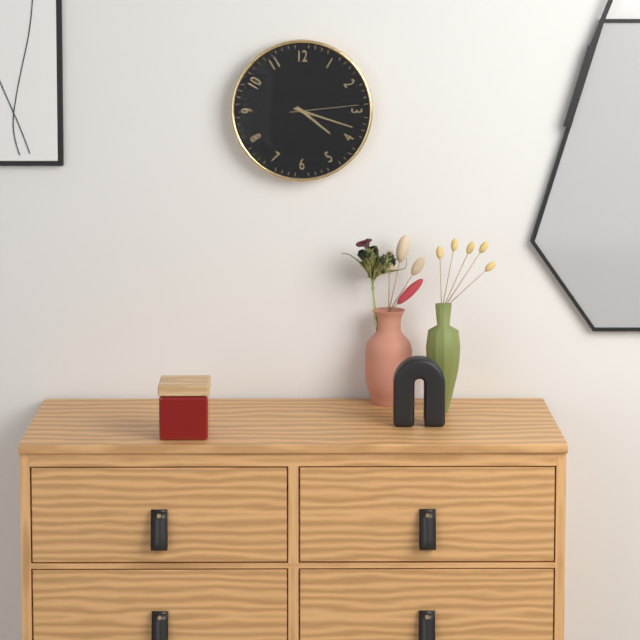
4.18.14
